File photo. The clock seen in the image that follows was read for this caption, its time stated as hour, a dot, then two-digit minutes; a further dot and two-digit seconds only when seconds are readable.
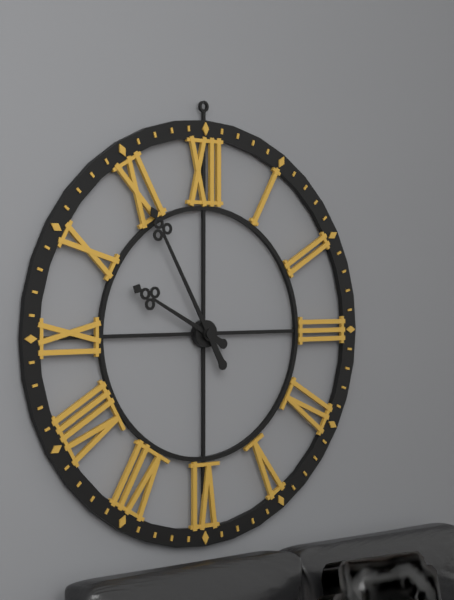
9.55
